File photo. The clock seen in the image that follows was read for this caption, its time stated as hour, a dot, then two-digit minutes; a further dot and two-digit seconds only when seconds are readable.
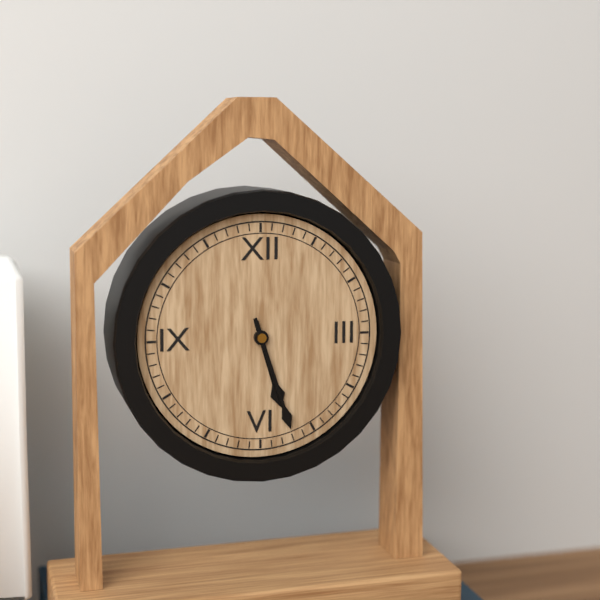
5.27
